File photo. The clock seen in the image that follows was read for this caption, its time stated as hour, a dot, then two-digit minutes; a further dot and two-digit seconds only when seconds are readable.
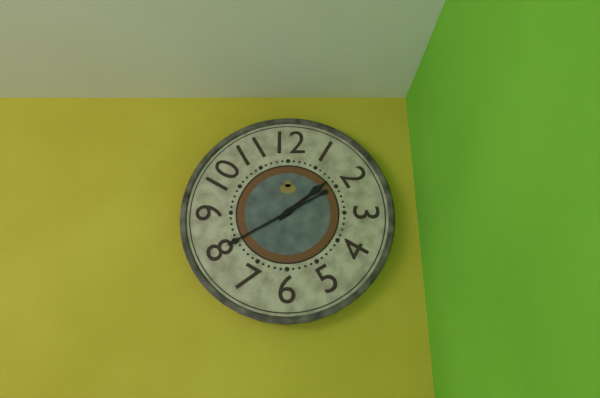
1.40
